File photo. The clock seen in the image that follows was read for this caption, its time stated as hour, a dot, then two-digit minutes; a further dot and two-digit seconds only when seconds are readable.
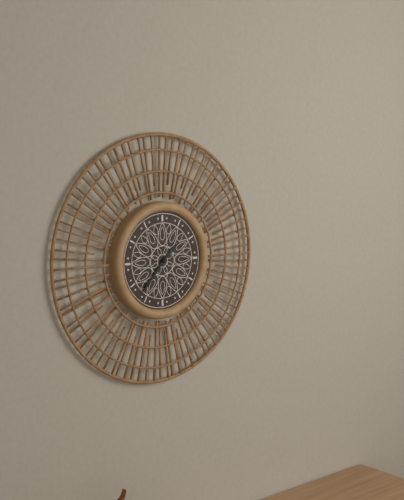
1.37
